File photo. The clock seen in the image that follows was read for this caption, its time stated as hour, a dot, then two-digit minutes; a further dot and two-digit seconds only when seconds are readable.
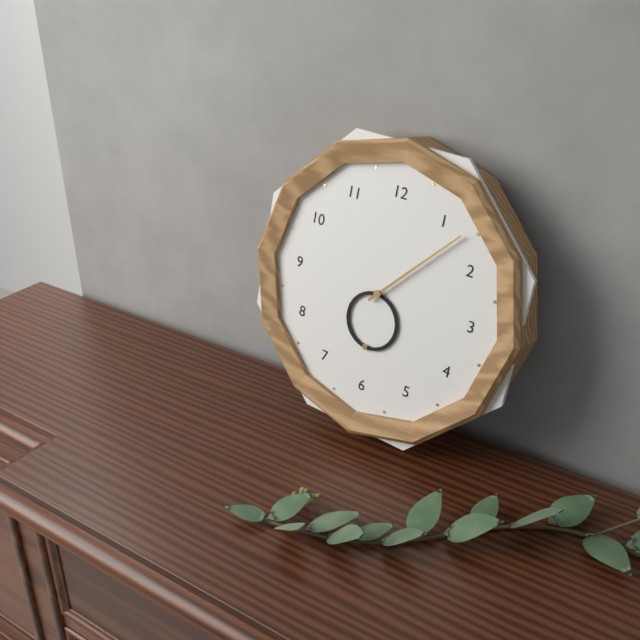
6.07
